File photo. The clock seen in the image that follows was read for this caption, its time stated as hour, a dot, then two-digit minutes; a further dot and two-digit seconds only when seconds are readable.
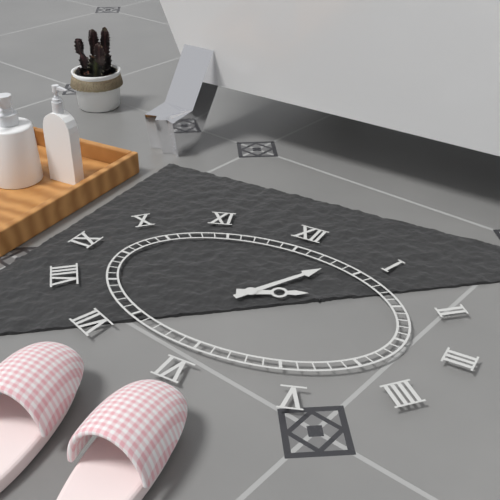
2.05
